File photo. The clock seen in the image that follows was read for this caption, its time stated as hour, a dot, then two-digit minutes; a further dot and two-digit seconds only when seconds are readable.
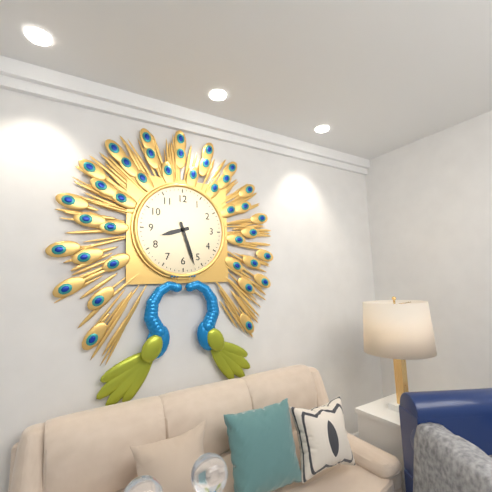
8.27
